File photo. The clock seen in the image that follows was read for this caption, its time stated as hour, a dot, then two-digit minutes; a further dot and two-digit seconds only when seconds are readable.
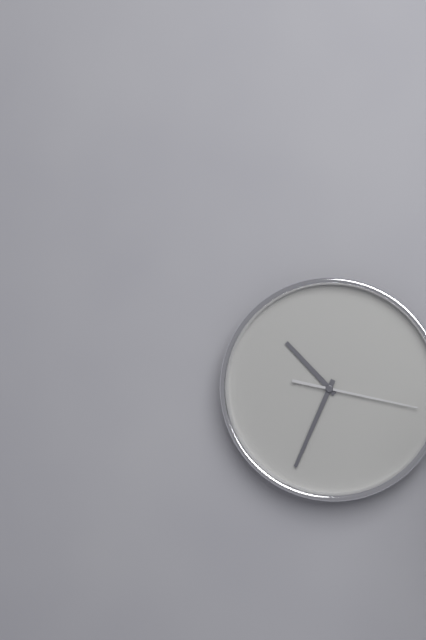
10.34.17
